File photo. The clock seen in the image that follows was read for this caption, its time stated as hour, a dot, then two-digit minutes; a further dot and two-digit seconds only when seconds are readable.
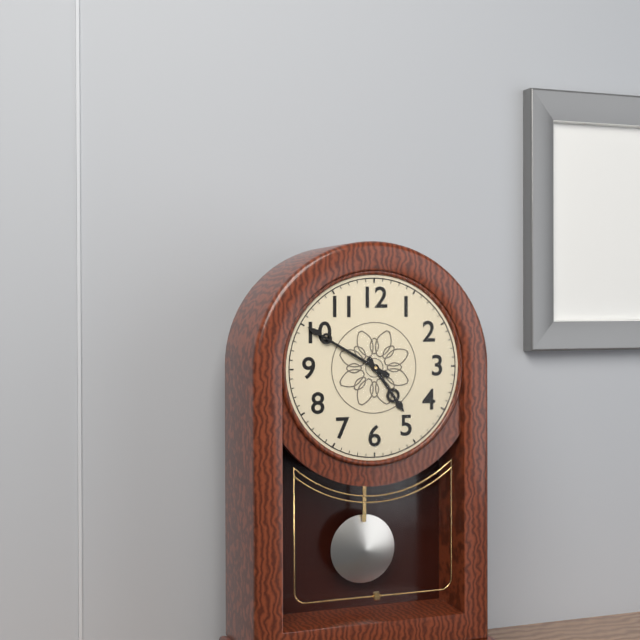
4.50
